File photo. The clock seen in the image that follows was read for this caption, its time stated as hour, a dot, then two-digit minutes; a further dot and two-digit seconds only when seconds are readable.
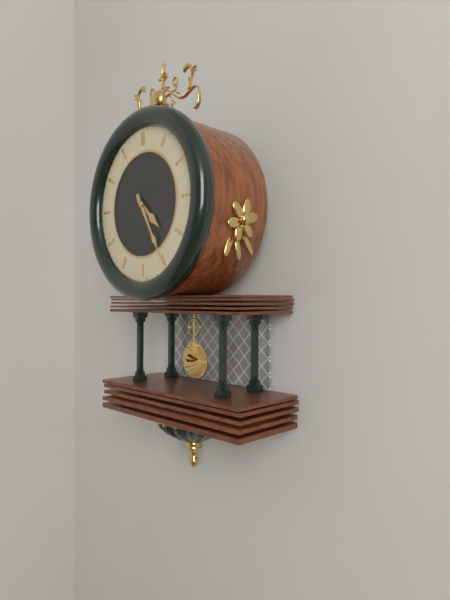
4.25
